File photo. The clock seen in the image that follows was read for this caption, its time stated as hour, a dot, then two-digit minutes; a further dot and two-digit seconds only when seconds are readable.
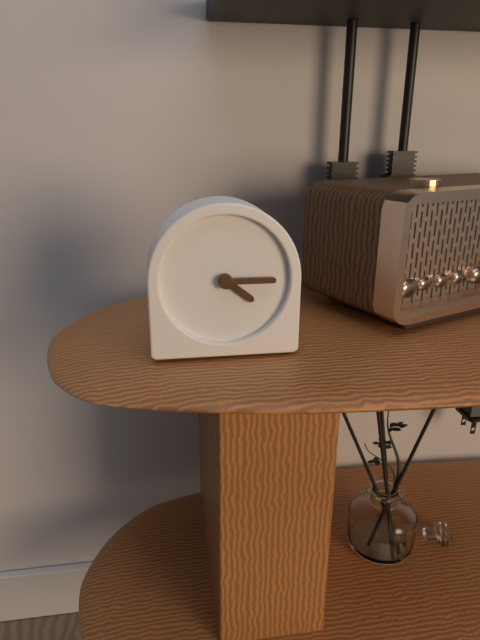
4.15
